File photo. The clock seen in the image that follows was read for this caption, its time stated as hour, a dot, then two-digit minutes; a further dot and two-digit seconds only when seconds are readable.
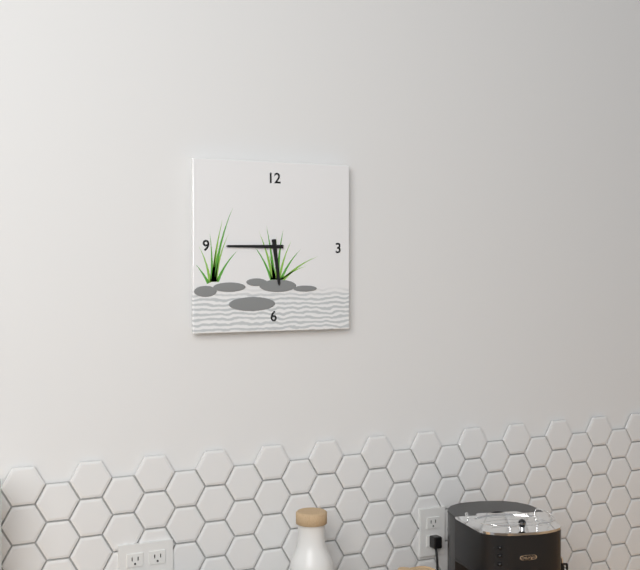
5.45
